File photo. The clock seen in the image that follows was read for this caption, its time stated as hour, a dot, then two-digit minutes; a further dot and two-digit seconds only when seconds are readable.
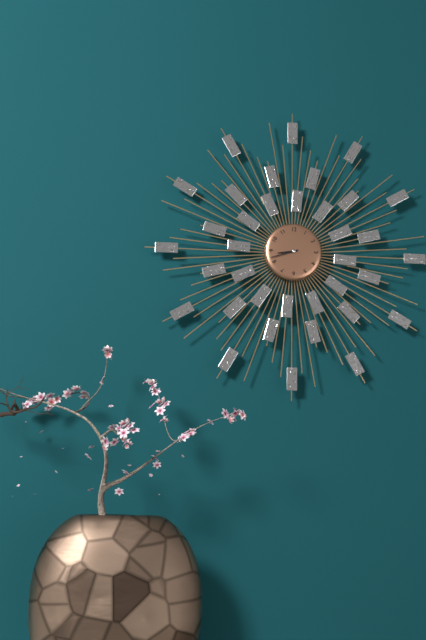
8.42
